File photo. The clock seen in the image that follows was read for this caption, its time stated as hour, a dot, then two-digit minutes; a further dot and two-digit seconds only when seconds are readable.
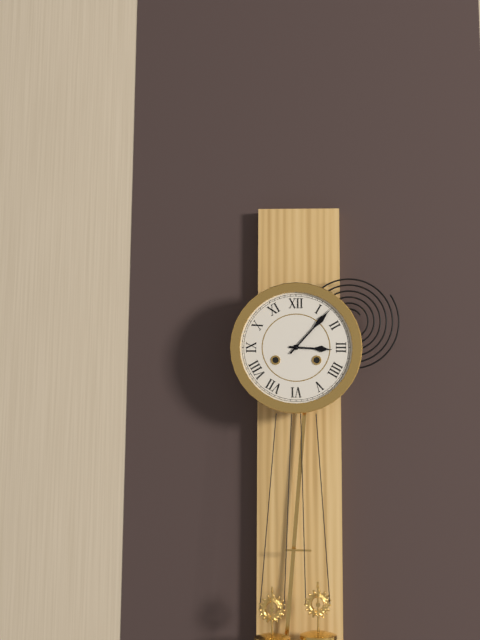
3.07
